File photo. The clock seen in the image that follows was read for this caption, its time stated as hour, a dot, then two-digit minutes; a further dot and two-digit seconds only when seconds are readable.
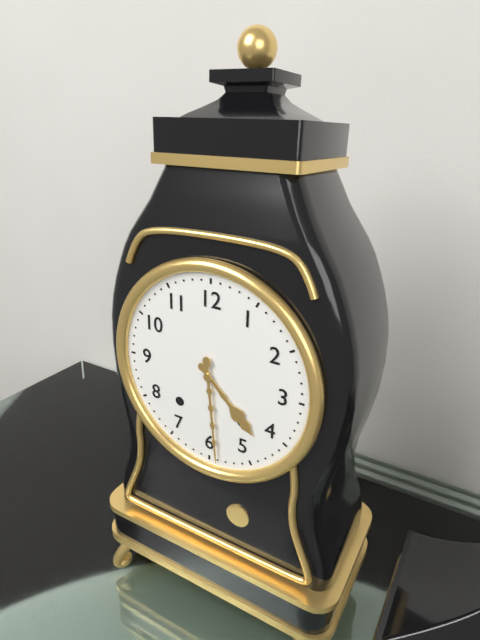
4.29
